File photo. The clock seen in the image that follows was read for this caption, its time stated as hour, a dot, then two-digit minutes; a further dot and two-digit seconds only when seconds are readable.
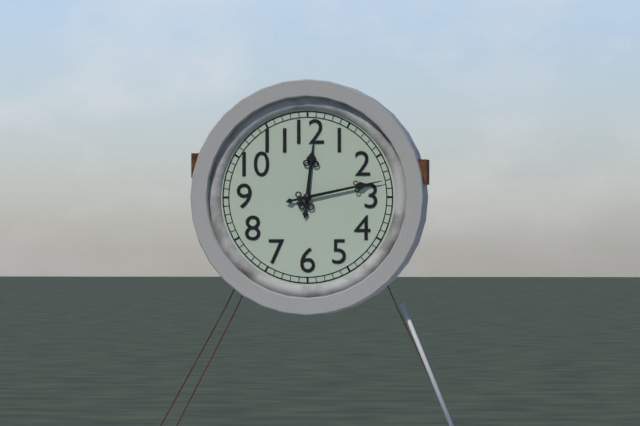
12.13
